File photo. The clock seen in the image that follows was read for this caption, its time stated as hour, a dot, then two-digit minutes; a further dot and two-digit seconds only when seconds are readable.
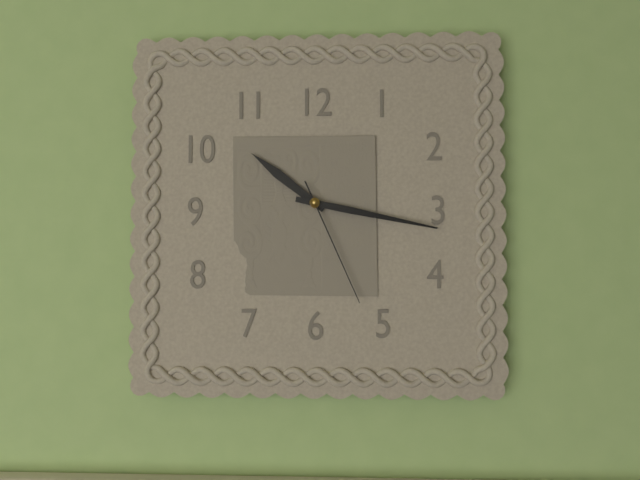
10.17.26
